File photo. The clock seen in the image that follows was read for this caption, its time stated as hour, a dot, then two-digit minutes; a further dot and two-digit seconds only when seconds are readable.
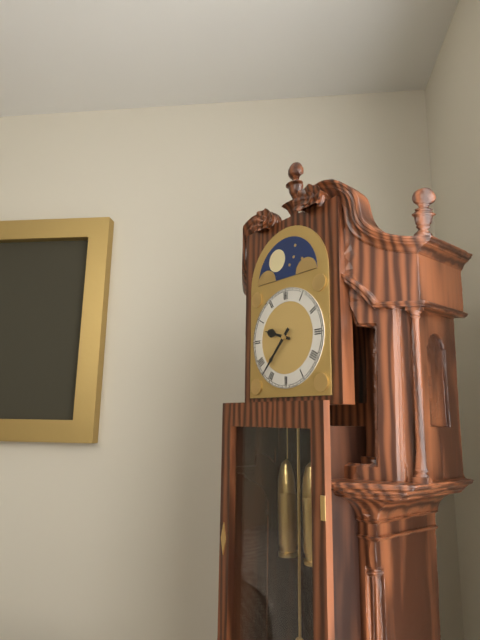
9.37
